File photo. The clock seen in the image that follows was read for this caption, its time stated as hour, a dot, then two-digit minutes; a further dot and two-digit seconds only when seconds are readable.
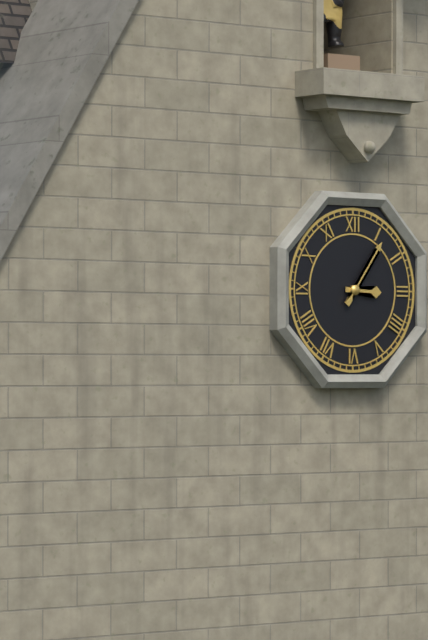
3.06
